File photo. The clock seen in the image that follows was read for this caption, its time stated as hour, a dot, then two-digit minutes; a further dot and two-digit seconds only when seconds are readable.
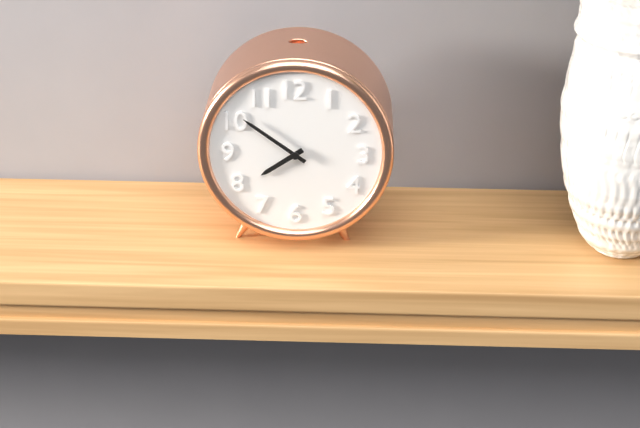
7.51
